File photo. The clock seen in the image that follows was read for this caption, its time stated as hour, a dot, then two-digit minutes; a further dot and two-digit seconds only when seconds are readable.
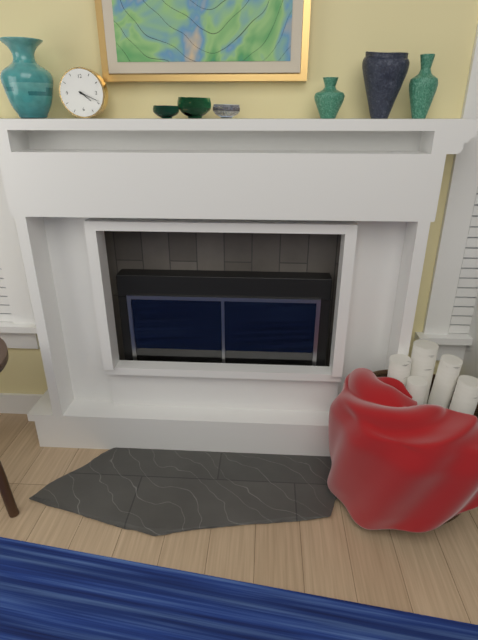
4.19
